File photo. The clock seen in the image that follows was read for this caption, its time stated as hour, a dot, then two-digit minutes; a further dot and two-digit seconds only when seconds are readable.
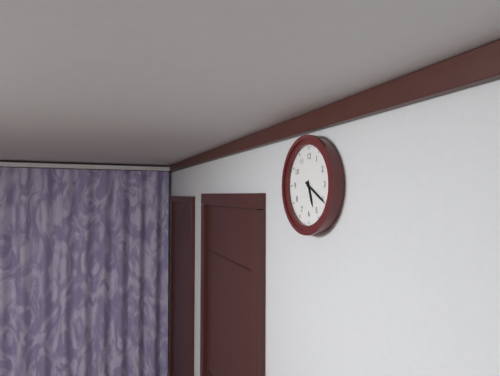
5.20
